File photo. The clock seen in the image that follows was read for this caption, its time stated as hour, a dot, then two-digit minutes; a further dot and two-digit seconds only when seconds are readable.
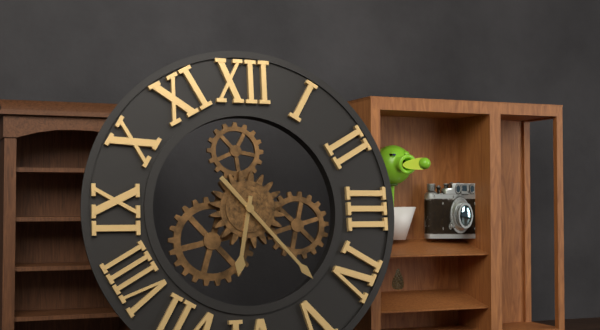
6.23
